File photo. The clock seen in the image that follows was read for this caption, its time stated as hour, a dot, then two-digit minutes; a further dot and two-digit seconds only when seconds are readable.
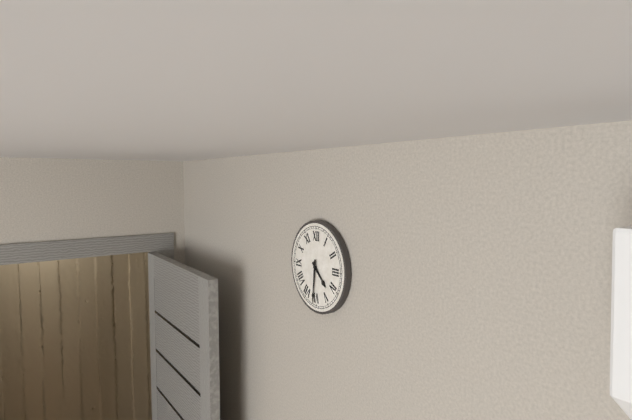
4.31
